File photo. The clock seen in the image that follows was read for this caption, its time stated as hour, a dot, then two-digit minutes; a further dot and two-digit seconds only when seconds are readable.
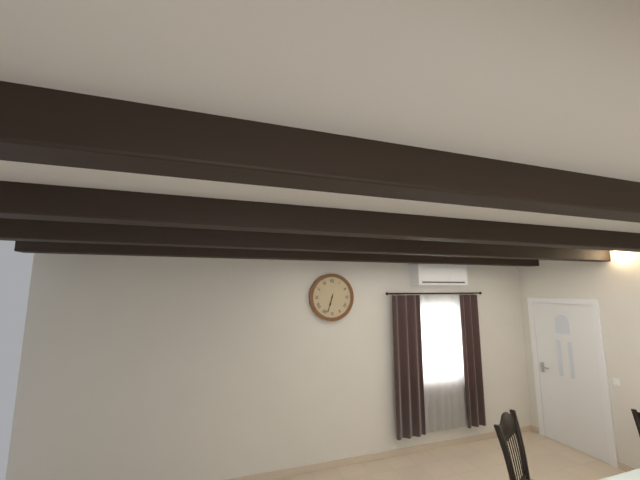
6.33
